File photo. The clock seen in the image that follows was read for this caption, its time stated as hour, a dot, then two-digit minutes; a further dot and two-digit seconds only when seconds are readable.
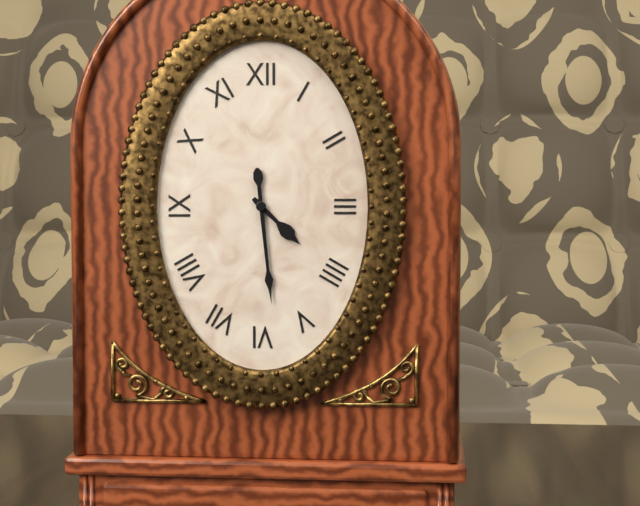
4.29
